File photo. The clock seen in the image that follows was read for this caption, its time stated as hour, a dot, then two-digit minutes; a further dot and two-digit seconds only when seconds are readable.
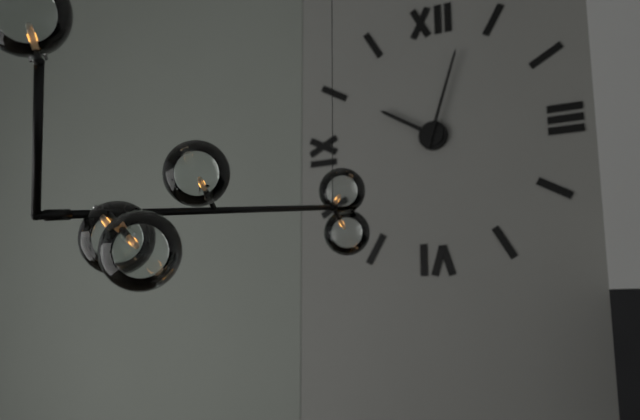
10.03
